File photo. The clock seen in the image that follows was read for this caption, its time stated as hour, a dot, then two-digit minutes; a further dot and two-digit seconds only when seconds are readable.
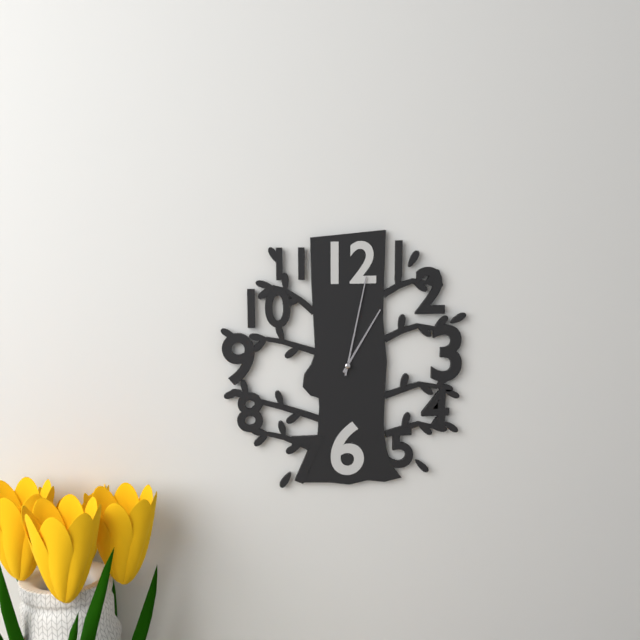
1.02
